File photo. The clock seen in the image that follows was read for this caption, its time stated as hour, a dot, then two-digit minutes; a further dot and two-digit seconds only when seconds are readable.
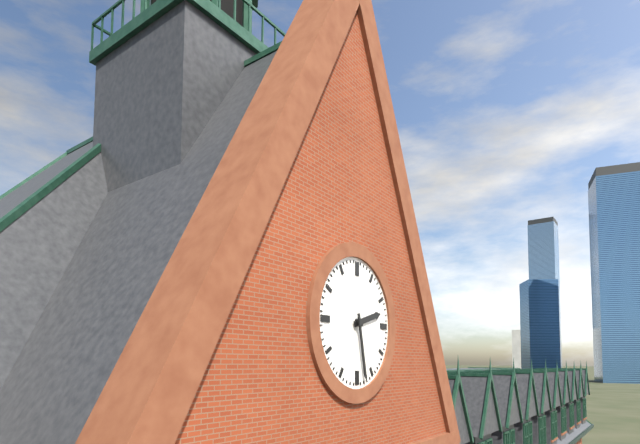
2.28
